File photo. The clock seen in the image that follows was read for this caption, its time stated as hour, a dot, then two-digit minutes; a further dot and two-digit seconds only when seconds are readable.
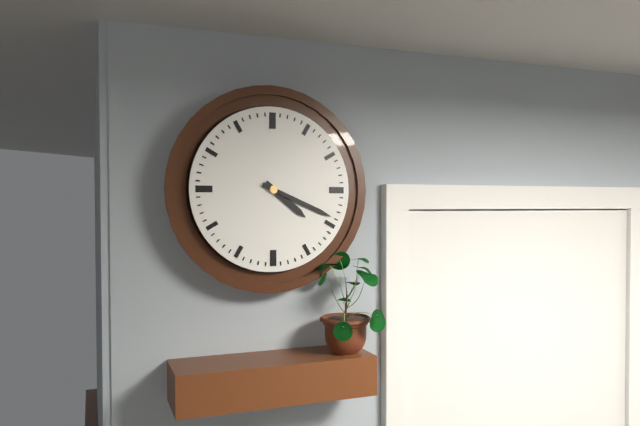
4.19
